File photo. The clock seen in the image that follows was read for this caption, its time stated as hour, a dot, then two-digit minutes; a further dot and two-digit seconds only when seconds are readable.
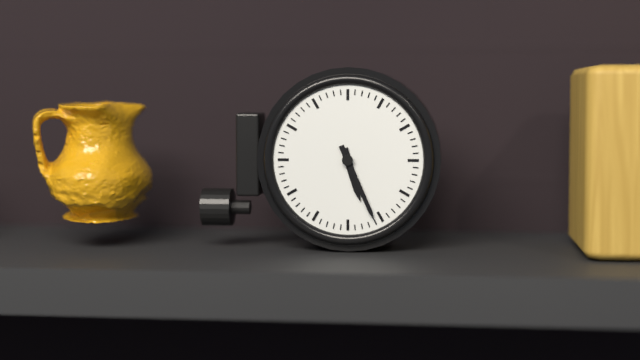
5.26
